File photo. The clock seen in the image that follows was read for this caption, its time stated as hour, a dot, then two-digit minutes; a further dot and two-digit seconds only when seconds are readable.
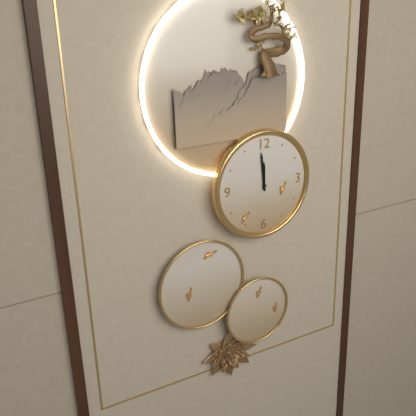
11.59
